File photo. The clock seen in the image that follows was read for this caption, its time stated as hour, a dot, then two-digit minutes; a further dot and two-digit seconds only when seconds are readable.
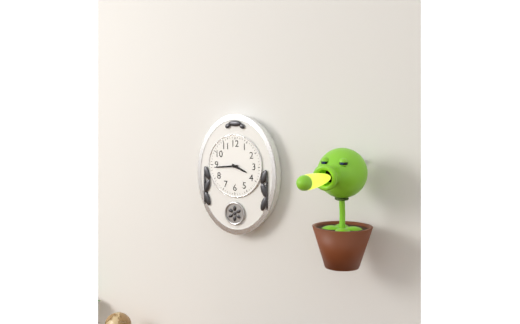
3.44
